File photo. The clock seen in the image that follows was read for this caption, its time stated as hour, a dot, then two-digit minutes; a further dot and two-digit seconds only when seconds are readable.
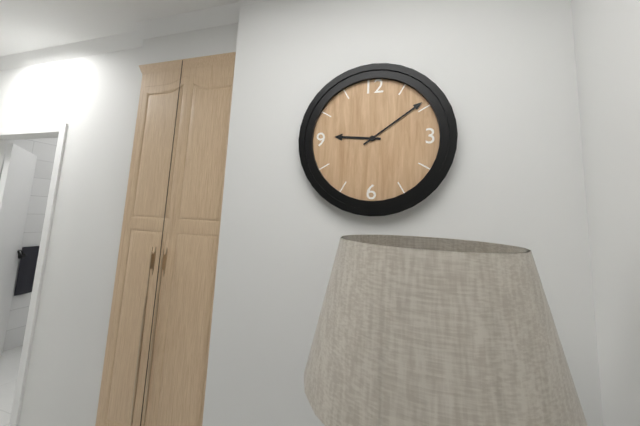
9.09
